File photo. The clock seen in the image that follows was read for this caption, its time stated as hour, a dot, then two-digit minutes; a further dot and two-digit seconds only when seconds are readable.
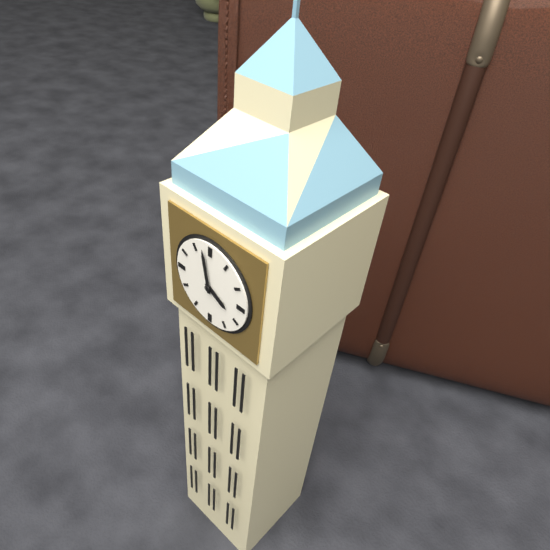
3.58
